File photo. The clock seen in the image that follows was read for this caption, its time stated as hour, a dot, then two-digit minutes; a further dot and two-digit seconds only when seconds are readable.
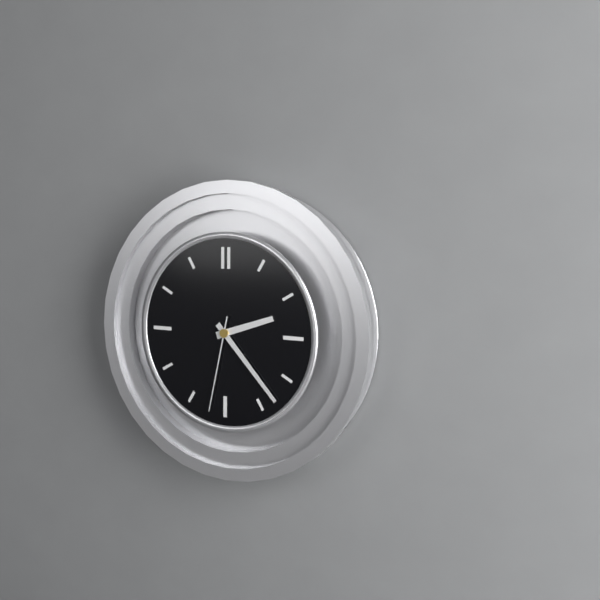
2.23.32
